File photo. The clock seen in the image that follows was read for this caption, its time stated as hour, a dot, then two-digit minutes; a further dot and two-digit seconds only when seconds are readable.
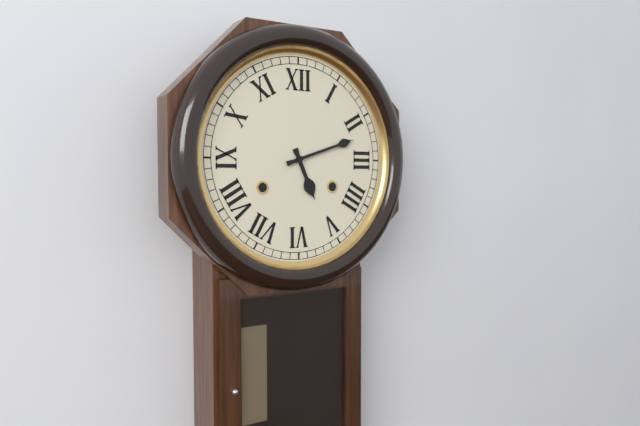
5.12
